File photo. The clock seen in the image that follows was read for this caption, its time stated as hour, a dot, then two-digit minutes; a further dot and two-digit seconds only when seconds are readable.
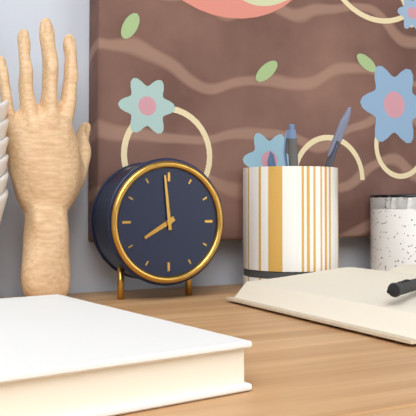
7.59
